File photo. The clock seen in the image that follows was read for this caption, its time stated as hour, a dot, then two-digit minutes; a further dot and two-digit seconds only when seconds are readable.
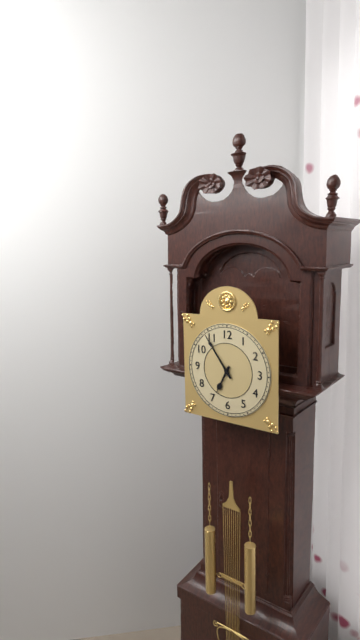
6.54
